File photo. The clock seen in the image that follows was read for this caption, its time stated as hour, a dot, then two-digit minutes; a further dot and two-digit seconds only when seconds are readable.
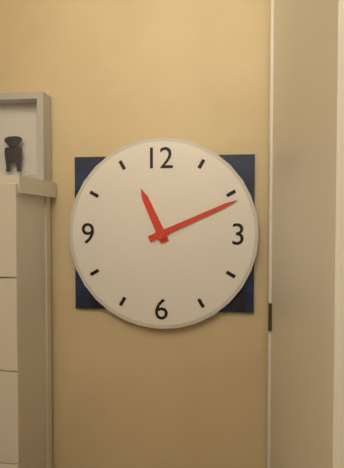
11.11
